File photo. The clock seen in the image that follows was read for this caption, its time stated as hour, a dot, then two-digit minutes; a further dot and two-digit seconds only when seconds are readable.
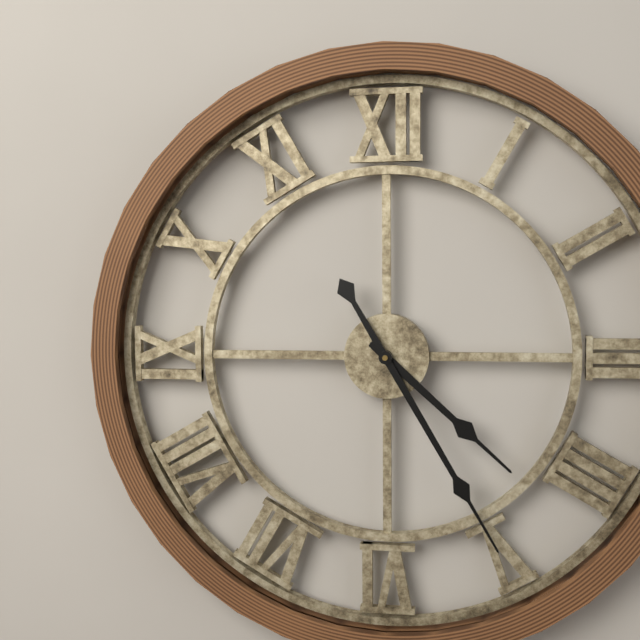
4.25
